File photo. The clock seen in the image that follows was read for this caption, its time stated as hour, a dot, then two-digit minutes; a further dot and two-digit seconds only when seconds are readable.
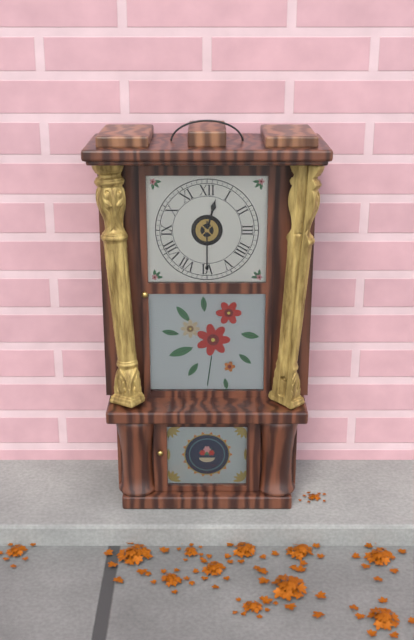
12.30
